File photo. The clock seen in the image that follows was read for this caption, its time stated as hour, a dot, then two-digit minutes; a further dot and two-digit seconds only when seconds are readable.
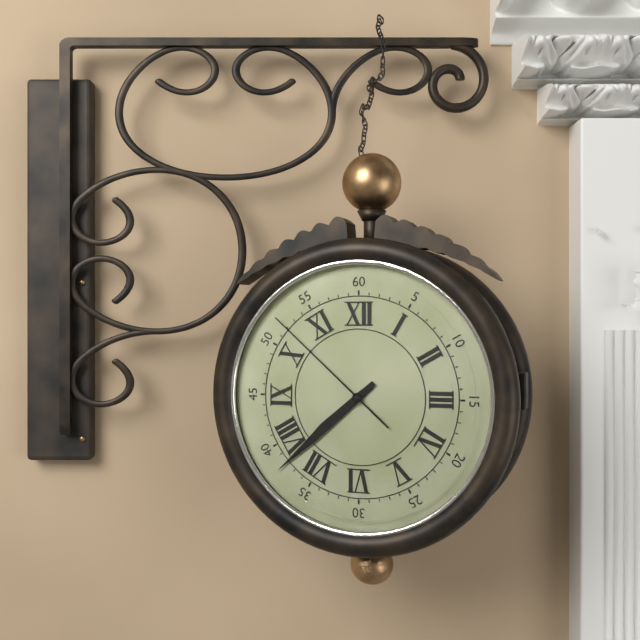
7.38.52
